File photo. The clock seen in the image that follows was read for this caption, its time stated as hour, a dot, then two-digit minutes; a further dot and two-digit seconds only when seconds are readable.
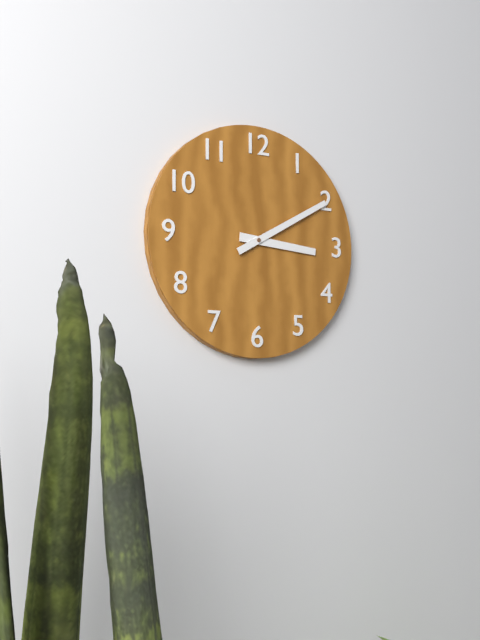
3.10
